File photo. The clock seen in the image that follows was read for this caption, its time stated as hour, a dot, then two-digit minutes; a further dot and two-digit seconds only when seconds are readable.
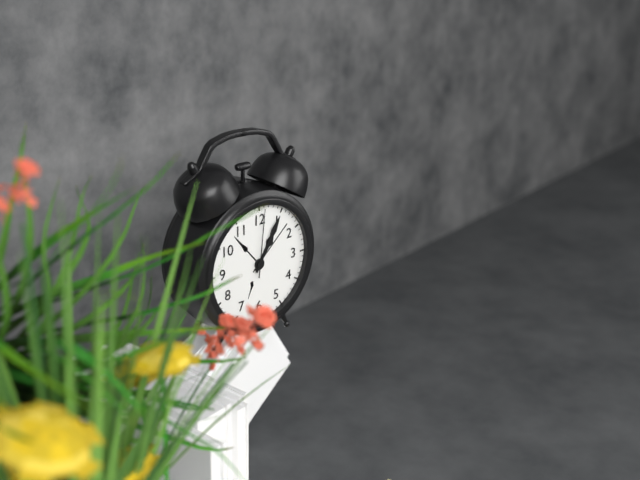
1.05.01
